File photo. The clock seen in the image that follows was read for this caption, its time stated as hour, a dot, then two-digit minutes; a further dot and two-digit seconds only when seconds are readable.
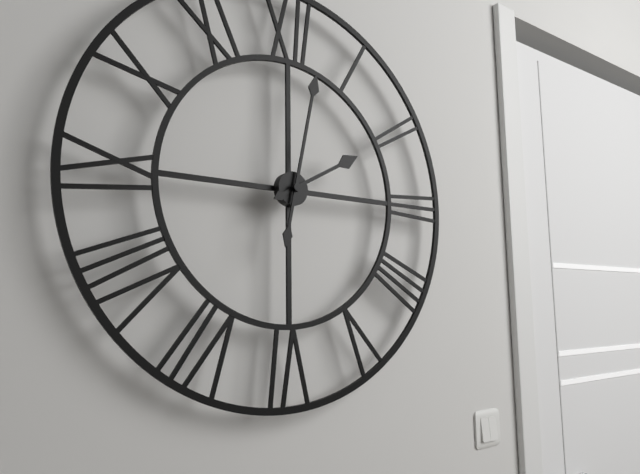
2.02
